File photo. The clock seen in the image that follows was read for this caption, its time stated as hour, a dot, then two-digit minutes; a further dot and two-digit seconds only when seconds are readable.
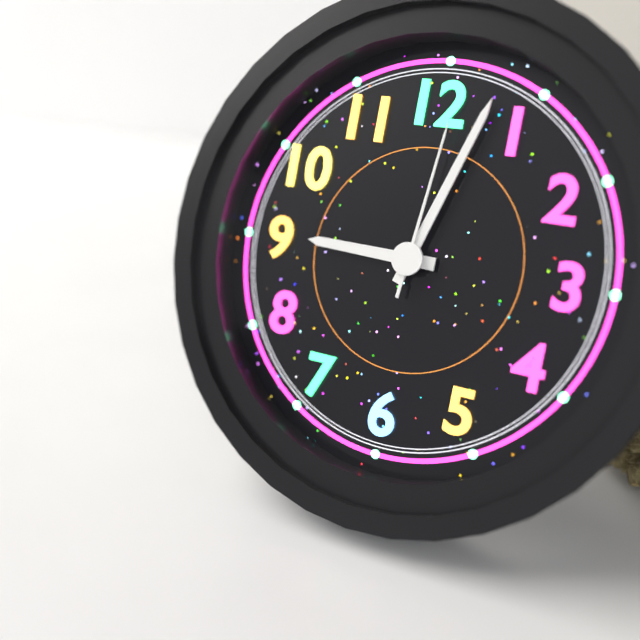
9.03.01
